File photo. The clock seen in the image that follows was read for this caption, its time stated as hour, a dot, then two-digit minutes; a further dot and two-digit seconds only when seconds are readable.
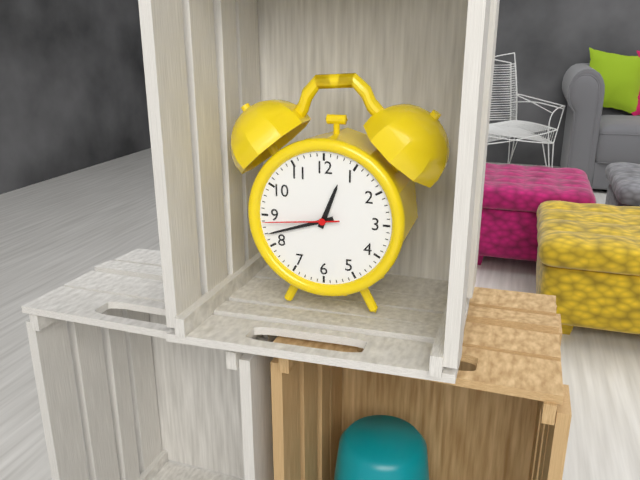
12.42.44
